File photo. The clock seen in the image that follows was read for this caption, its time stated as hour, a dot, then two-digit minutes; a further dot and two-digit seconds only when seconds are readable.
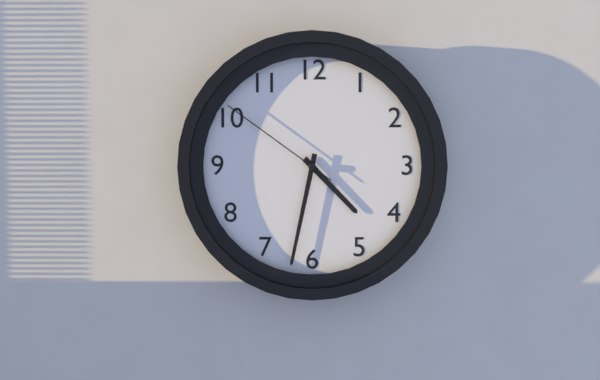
4.32.51
